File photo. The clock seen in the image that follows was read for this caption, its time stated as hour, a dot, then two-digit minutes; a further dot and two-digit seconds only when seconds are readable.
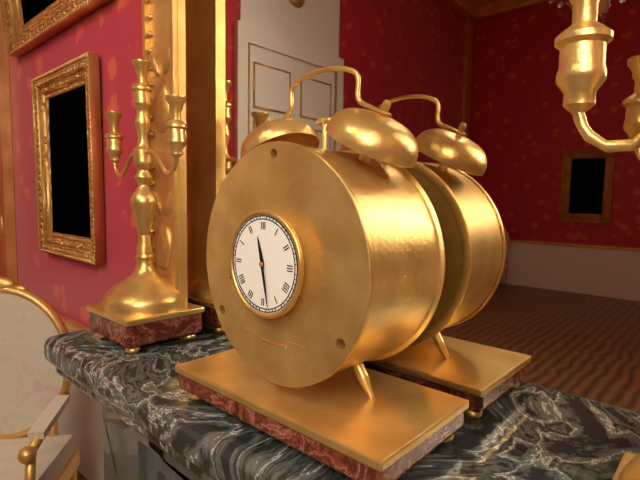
11.28
